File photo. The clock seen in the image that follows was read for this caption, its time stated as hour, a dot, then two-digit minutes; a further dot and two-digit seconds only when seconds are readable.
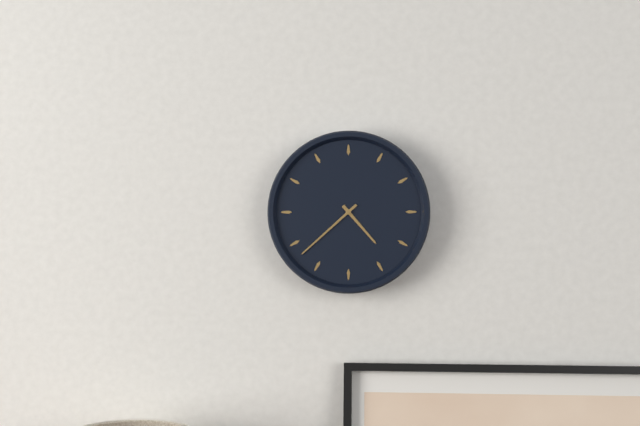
4.38
